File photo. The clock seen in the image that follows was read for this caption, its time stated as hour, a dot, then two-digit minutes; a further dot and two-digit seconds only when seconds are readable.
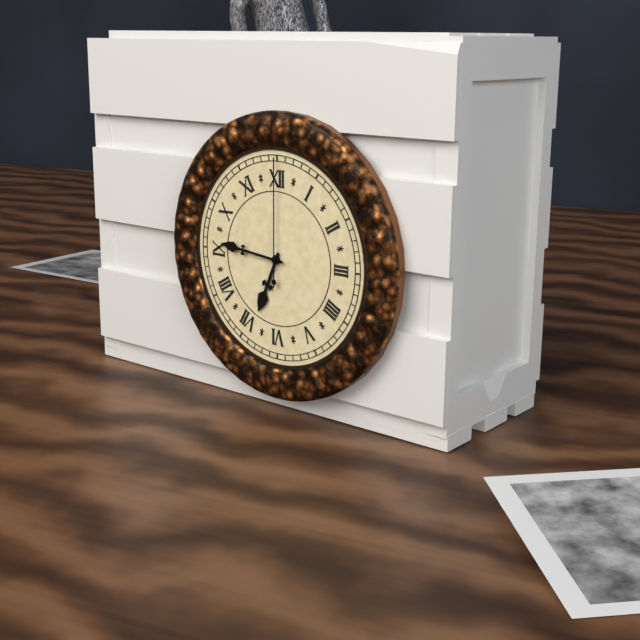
6.46.00
